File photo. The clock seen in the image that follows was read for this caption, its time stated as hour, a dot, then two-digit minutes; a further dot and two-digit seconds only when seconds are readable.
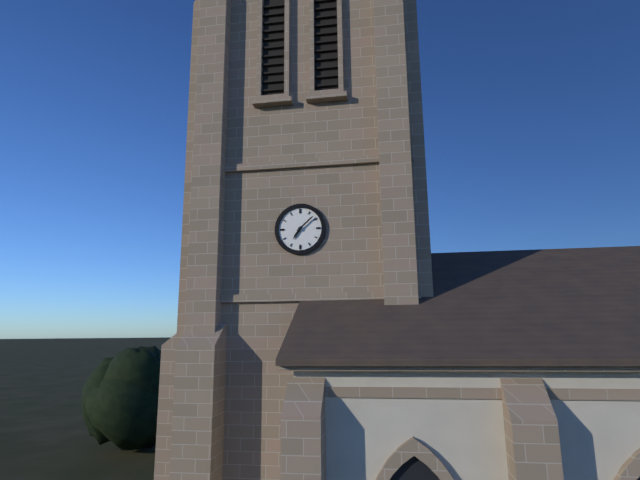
7.08
